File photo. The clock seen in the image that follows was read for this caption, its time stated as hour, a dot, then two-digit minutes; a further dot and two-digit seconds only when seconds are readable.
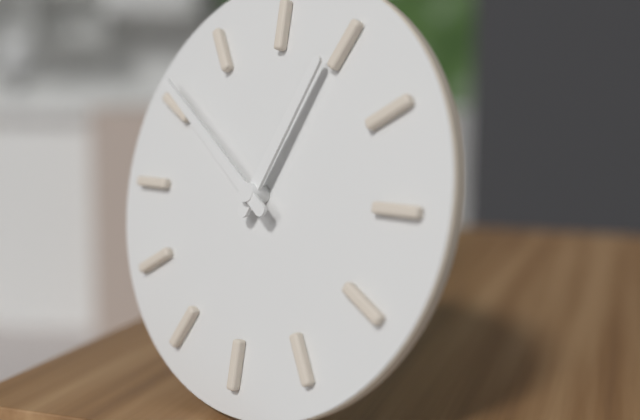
12.51
